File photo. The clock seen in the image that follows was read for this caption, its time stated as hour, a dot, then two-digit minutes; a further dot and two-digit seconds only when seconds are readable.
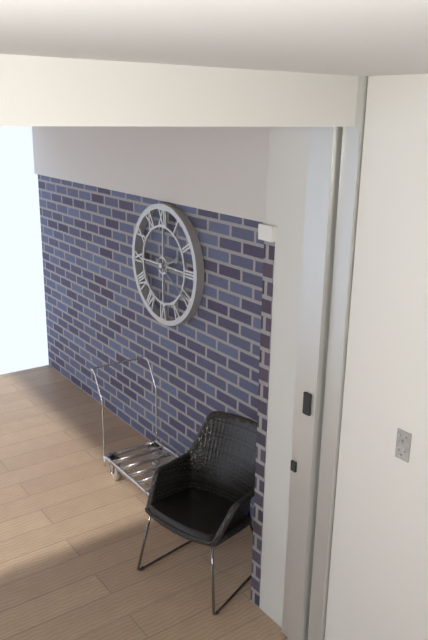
2.20
